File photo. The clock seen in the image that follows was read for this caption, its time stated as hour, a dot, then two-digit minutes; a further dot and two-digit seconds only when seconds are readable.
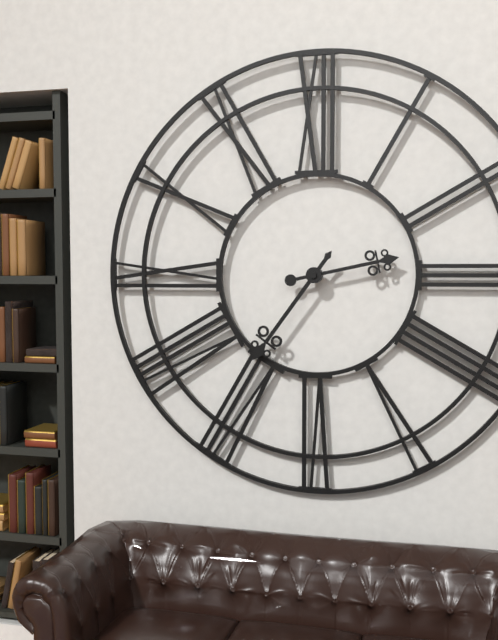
2.36
